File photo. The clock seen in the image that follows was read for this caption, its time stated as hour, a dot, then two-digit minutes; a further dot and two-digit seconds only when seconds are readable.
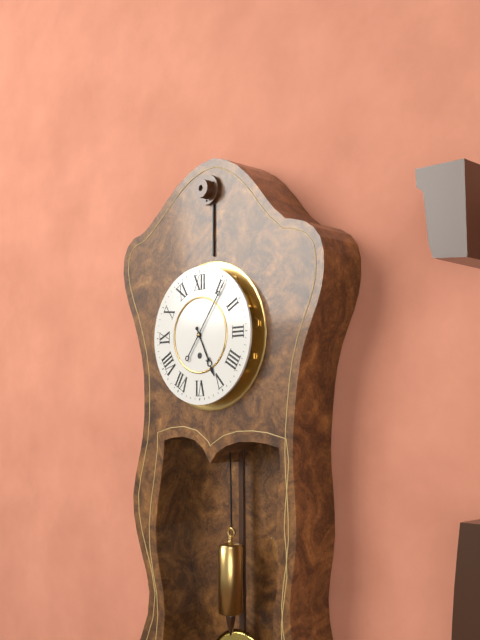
5.06
